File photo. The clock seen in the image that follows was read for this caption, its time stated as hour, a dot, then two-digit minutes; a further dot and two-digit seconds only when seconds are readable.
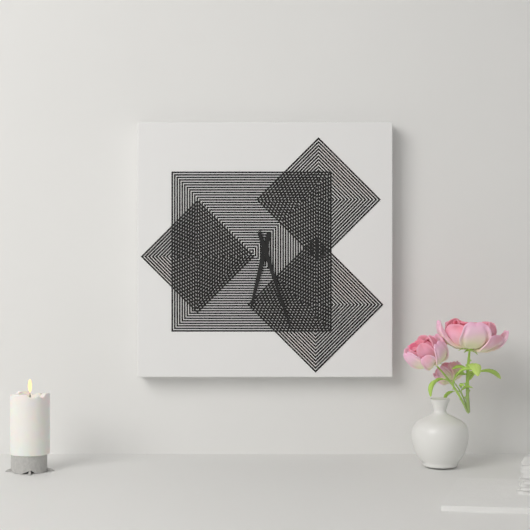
6.27
